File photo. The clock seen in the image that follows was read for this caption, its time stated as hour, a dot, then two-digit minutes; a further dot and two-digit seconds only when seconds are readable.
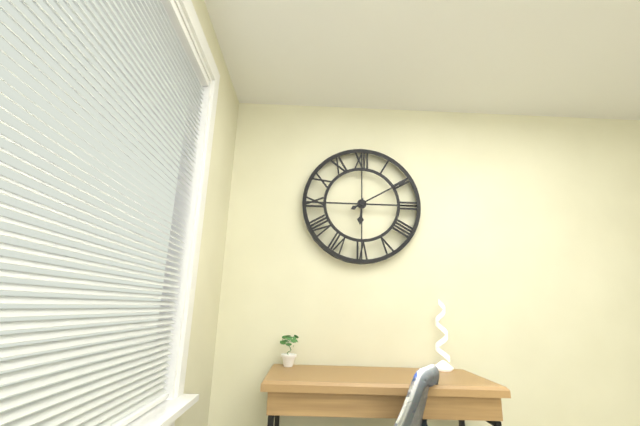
6.10
